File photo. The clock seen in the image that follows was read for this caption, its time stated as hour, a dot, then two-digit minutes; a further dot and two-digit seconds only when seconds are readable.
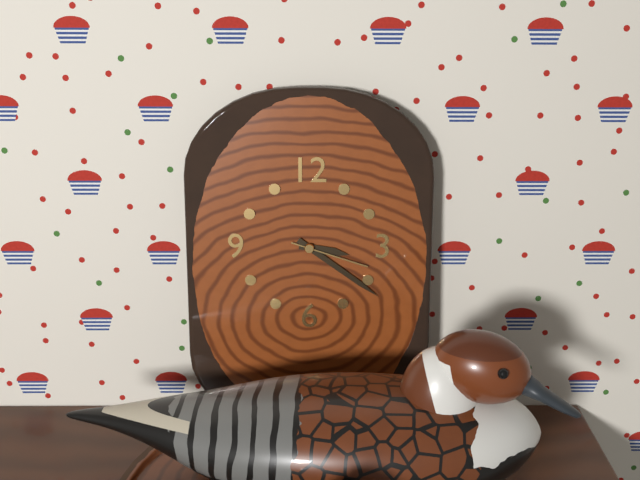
3.21.18
